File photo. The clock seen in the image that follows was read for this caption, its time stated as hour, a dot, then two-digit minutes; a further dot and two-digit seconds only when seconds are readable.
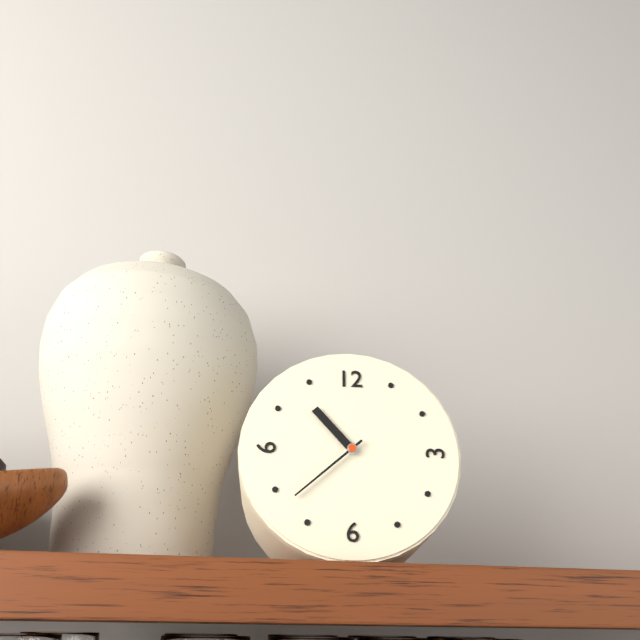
10.38
